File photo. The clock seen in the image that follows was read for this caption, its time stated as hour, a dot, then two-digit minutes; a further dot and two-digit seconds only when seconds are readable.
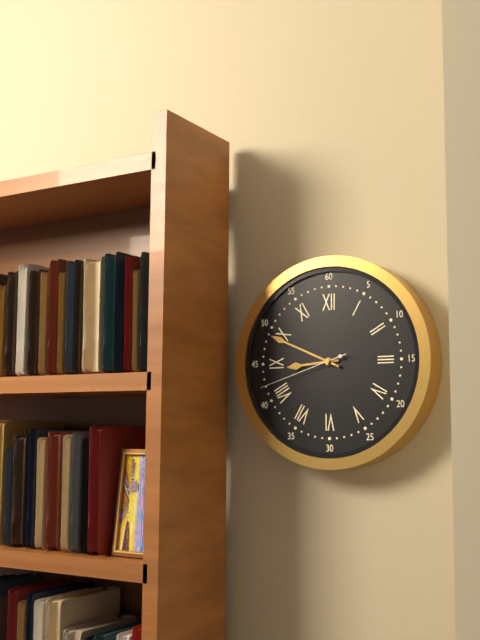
8.49.42
